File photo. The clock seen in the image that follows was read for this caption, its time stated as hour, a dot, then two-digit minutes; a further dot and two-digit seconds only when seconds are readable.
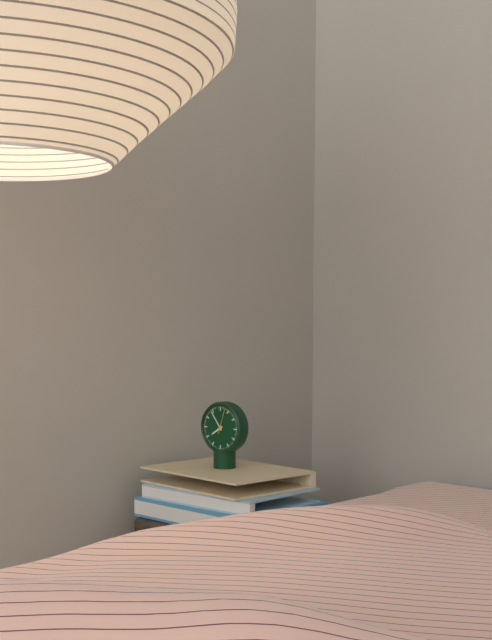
7.54
